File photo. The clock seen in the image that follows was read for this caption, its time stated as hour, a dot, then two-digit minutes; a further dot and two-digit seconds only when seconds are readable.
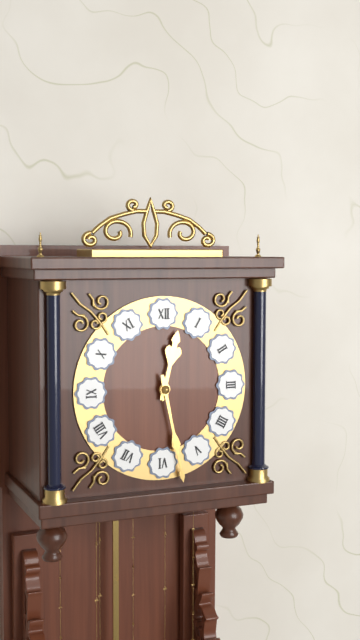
12.28
